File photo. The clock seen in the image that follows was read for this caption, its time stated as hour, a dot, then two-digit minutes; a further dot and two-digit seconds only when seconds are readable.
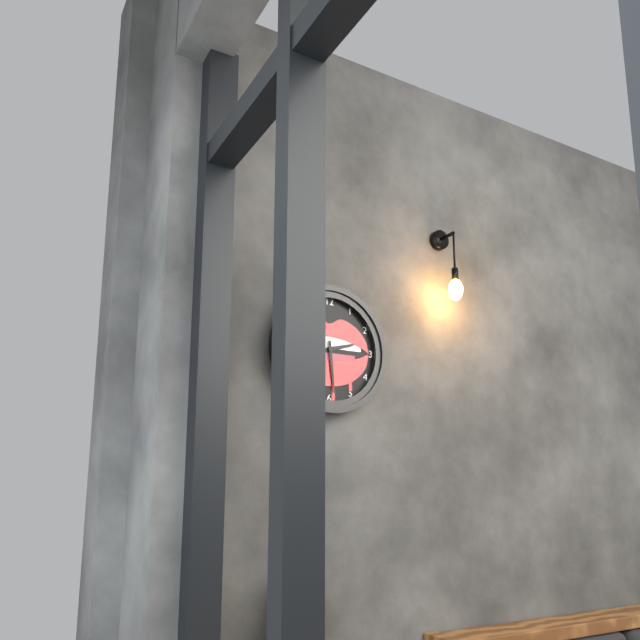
2.29
